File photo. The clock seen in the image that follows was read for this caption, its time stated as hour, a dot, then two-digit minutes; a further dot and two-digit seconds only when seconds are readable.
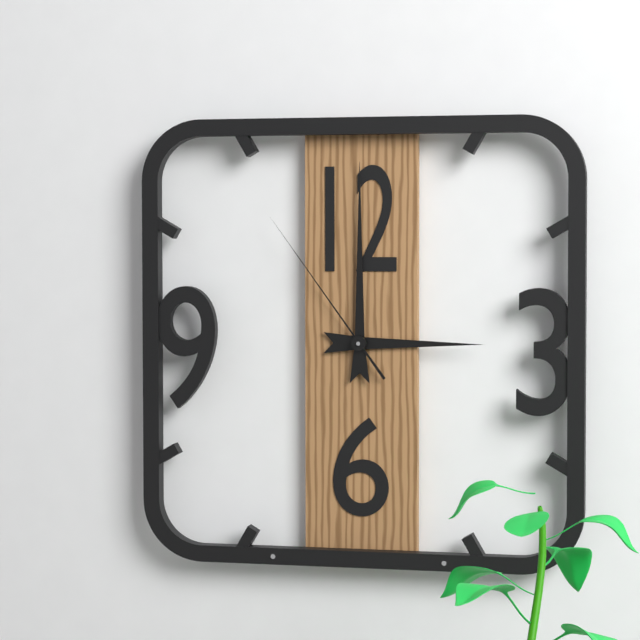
3.00.54
